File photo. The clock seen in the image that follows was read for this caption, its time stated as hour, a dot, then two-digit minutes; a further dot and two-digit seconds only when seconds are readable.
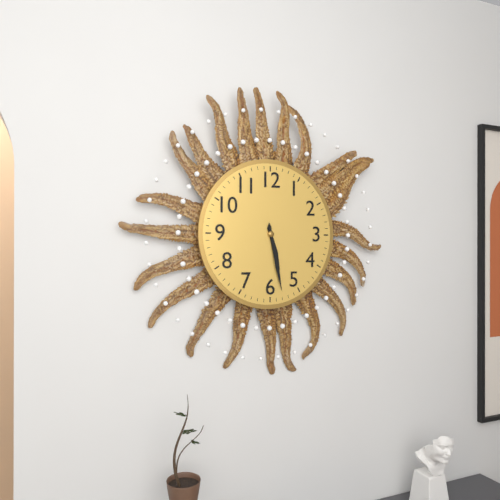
5.28
